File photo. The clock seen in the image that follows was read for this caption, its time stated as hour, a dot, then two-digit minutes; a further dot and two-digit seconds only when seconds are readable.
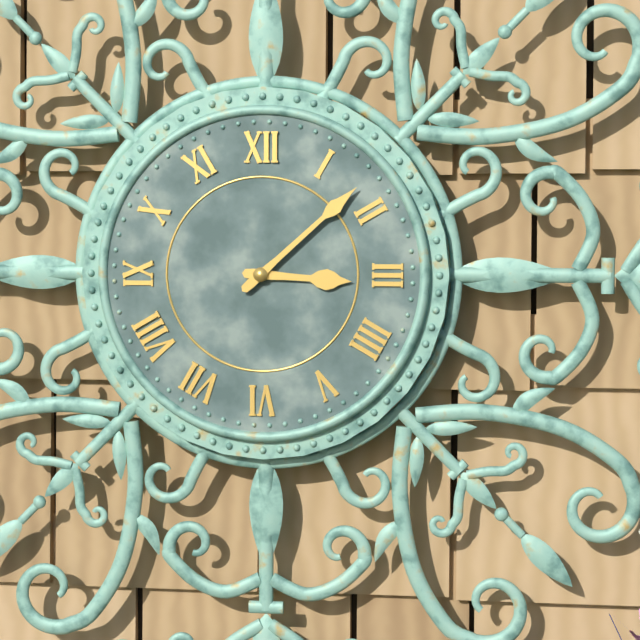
3.08
